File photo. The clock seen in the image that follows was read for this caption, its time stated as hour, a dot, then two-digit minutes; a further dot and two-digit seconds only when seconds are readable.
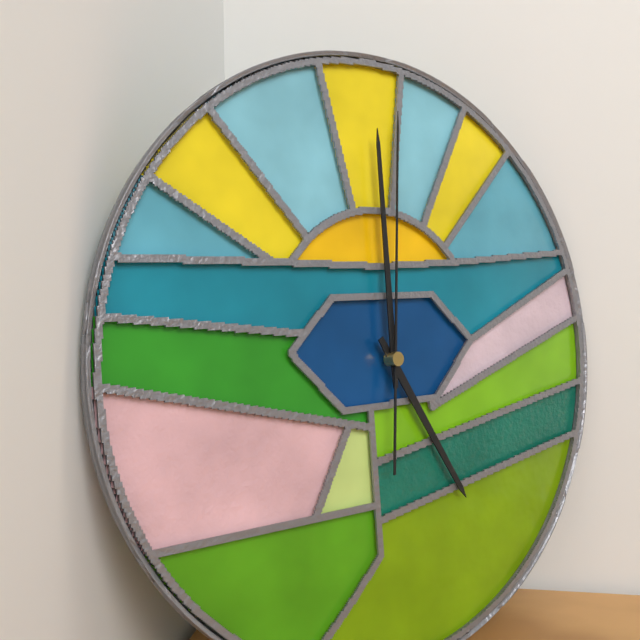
5.00.01
